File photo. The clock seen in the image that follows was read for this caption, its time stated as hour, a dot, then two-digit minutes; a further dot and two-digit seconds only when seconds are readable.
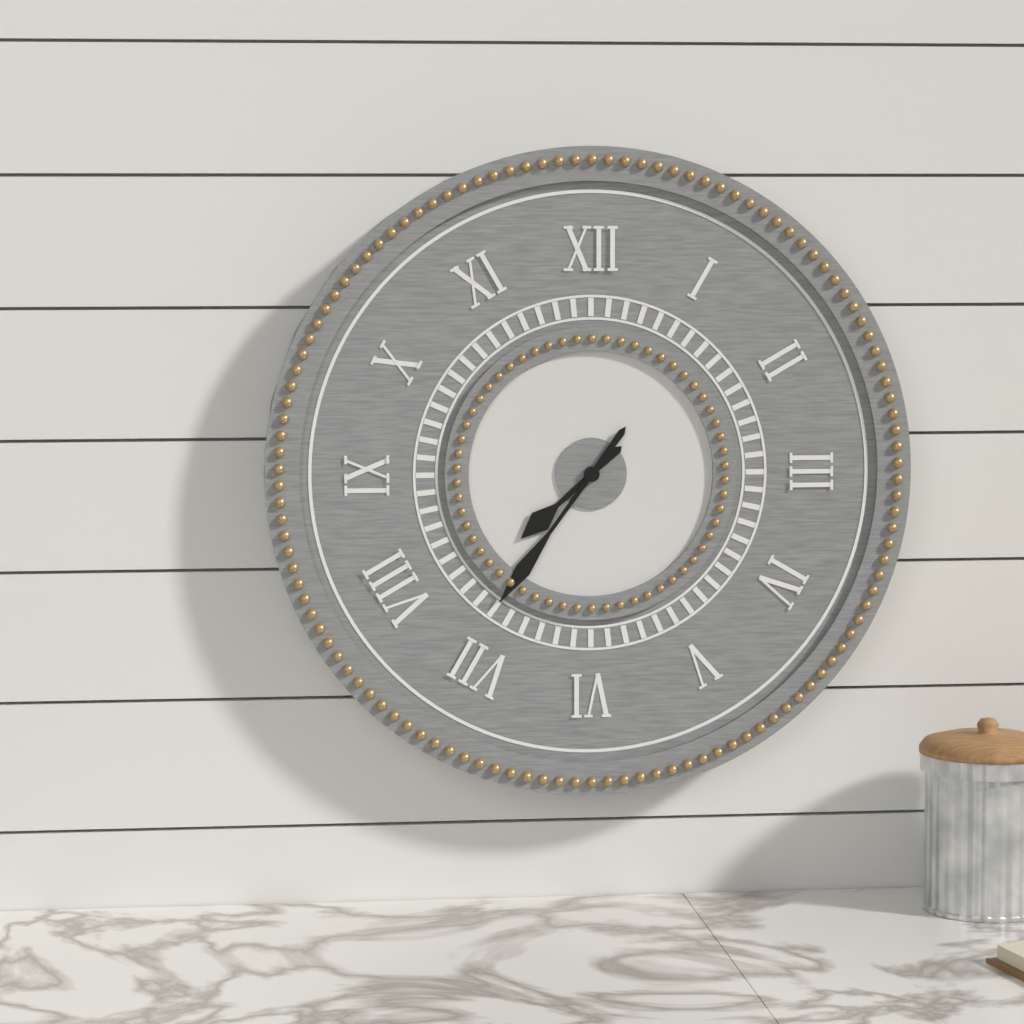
7.36
